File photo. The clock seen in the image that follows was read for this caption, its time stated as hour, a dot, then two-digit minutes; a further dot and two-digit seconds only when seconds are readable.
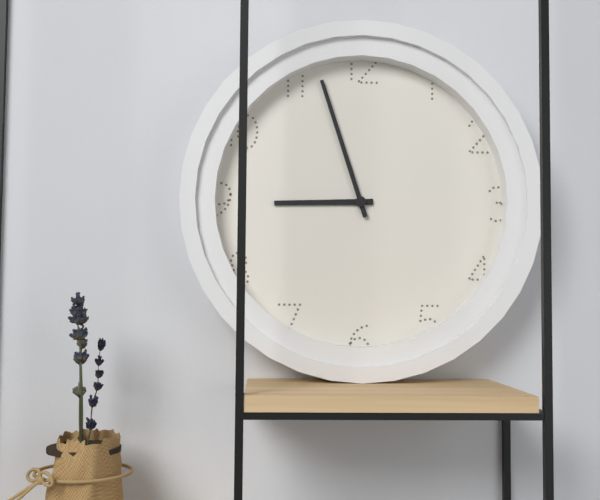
8.57
